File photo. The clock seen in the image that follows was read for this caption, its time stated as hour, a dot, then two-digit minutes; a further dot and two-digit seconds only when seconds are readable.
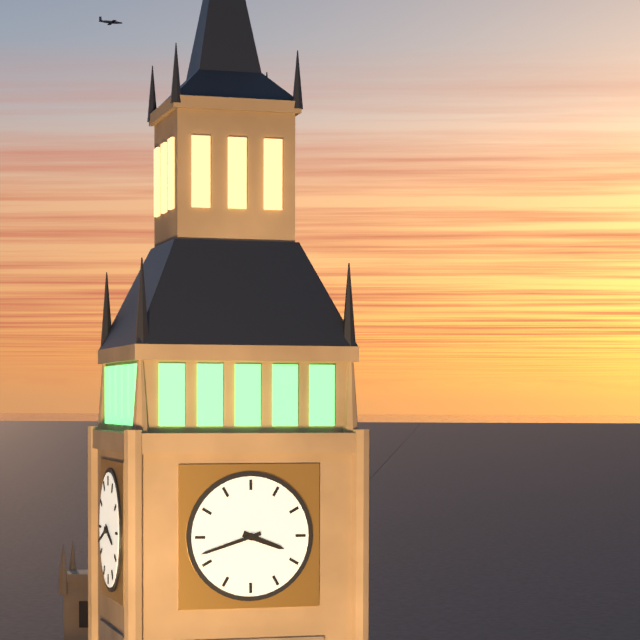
3.42
